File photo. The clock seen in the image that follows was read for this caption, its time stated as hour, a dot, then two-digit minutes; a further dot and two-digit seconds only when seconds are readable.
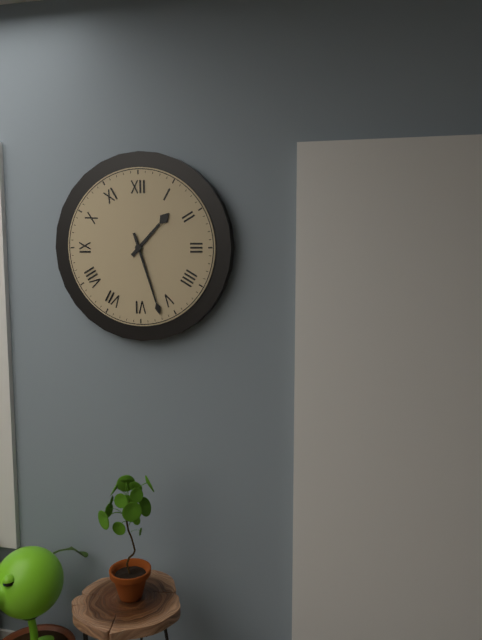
1.27
